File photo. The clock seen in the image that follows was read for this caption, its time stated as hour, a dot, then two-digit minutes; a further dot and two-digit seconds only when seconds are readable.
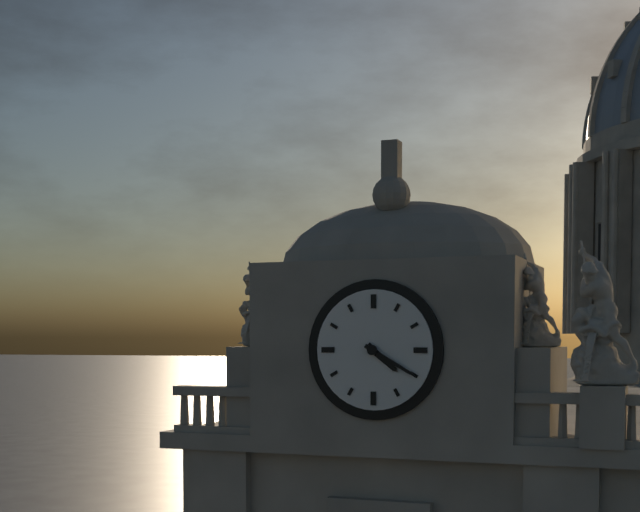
4.20
